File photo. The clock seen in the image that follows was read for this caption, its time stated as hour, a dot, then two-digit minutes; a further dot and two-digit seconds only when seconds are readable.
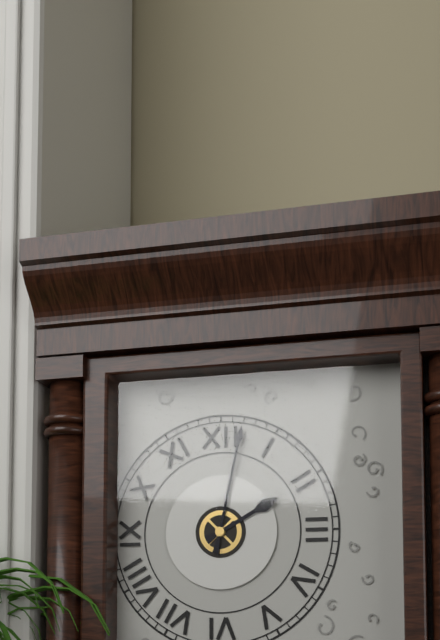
2.02
